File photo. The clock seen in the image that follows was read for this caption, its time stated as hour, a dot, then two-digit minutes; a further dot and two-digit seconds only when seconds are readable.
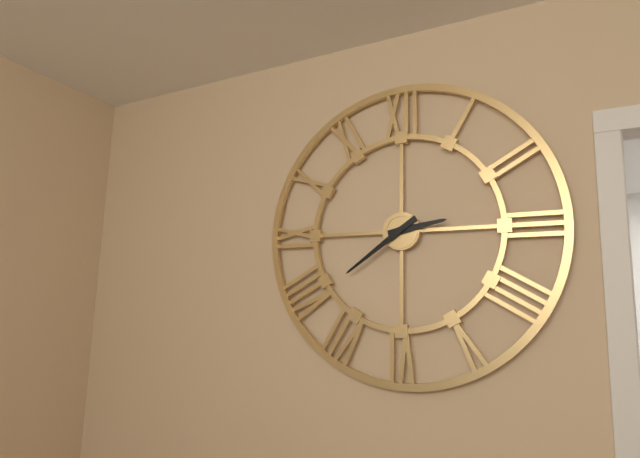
2.39
